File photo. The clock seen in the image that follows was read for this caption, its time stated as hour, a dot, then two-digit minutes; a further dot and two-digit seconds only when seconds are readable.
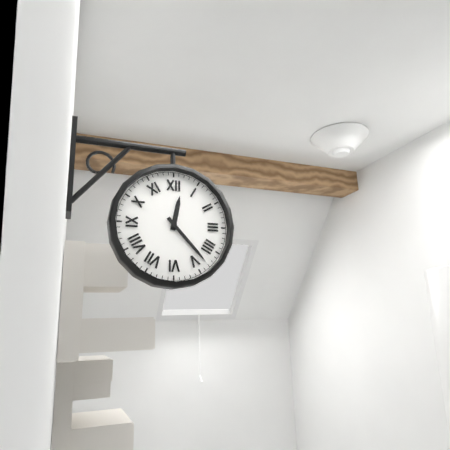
12.23
